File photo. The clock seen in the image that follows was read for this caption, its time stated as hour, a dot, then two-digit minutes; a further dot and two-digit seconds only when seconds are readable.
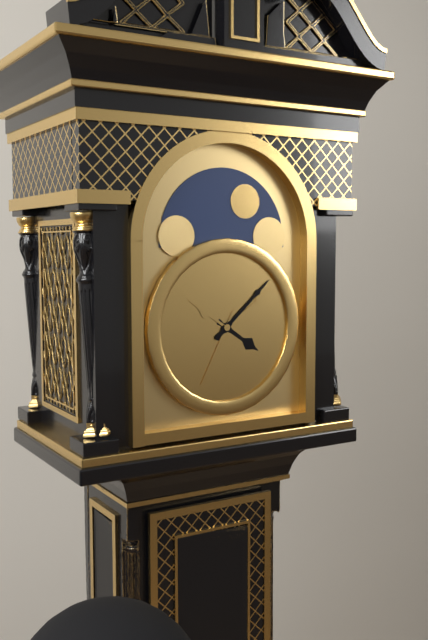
4.08
